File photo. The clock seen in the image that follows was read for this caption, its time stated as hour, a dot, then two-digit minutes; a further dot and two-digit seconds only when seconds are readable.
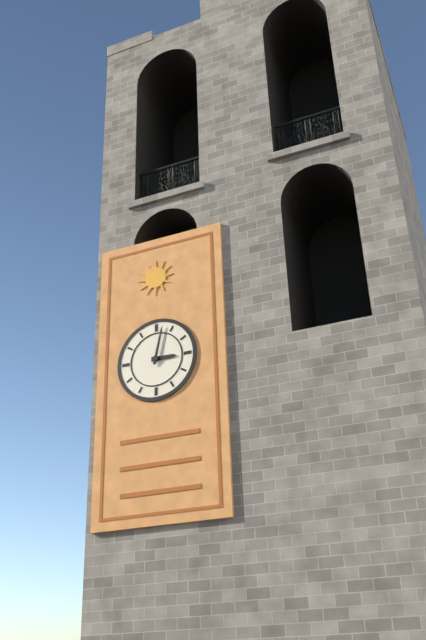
3.02
